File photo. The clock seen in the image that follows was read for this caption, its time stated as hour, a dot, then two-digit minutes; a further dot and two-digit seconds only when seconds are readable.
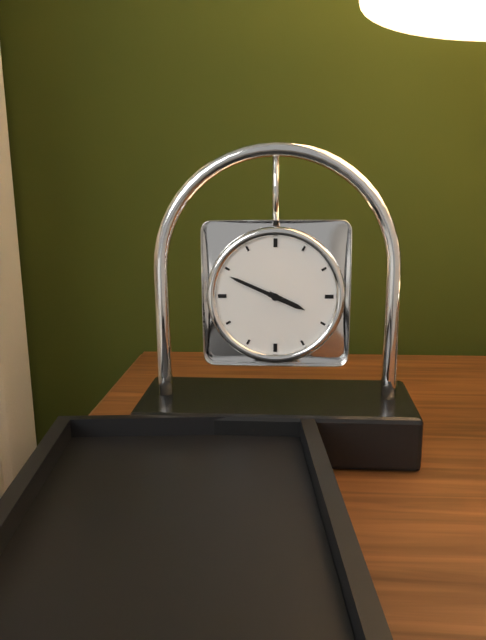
3.49
